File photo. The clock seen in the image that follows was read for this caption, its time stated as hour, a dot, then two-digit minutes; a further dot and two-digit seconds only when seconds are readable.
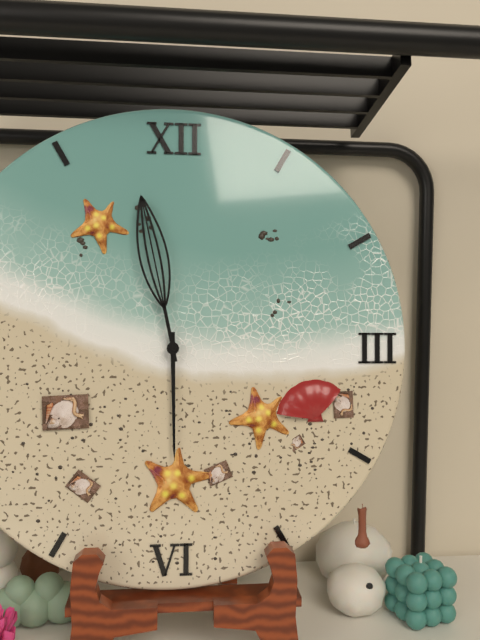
5.58
